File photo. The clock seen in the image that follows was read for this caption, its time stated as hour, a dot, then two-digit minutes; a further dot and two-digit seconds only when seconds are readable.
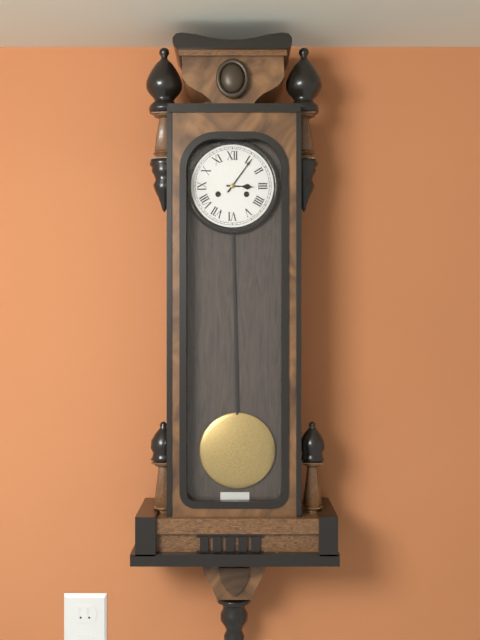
3.06
